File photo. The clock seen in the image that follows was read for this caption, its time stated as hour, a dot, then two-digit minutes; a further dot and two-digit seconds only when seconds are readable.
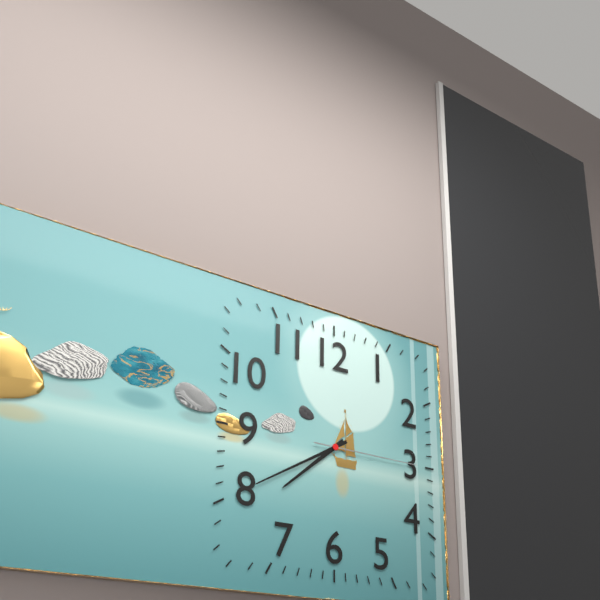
7.40.15
